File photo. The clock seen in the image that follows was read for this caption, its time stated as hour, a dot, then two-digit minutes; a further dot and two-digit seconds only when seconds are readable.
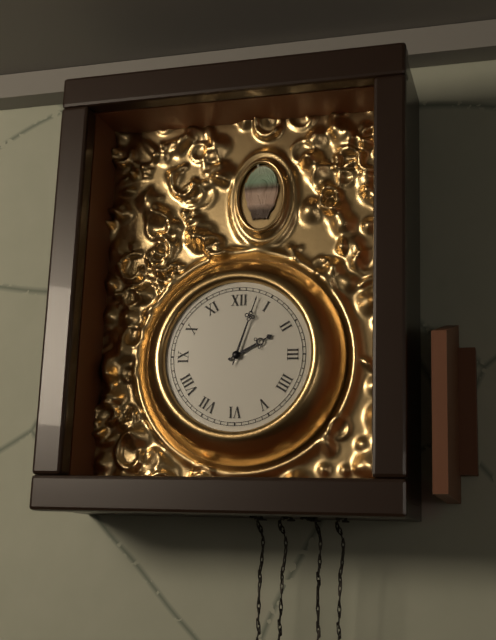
2.03
